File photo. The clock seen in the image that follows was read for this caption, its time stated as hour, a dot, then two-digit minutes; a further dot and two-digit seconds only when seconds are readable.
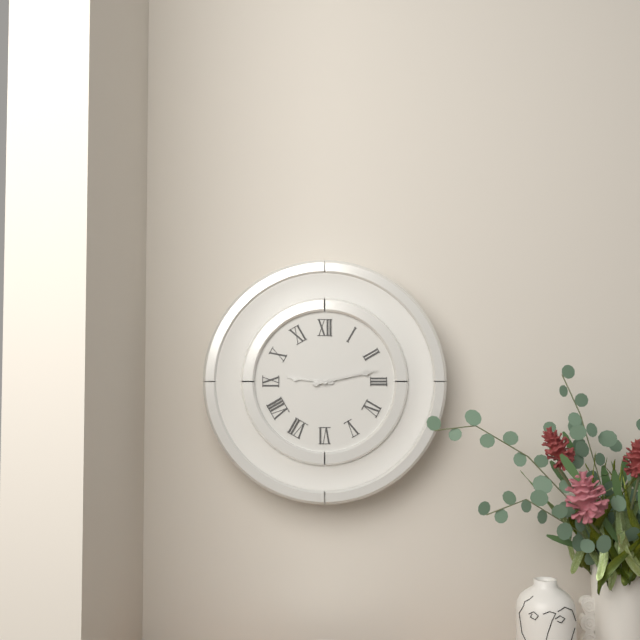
9.13
